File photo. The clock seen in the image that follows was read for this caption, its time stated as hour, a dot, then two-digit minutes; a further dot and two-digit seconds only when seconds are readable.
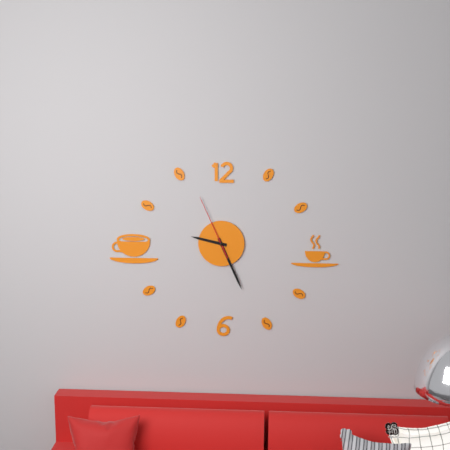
9.26.56
